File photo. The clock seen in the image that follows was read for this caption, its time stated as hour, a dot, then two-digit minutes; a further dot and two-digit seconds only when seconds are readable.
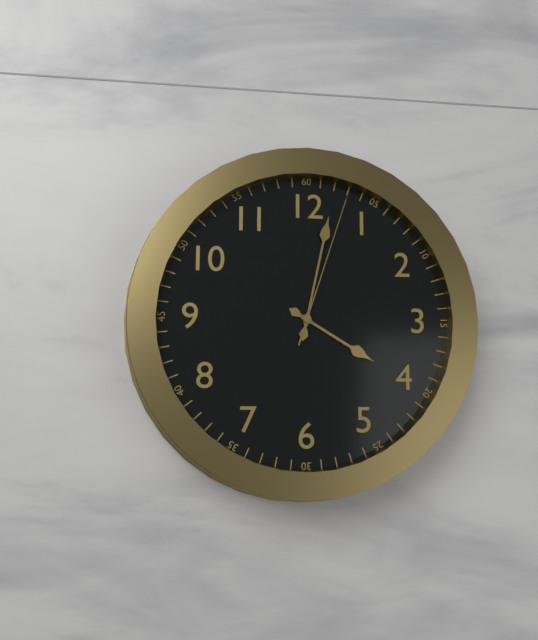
4.02.03
